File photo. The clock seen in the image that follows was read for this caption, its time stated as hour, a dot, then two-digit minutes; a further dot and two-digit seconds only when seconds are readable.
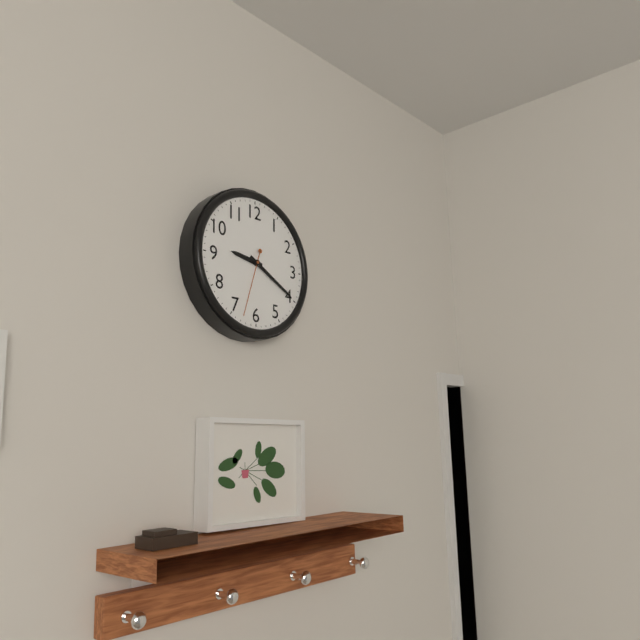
9.20.33
